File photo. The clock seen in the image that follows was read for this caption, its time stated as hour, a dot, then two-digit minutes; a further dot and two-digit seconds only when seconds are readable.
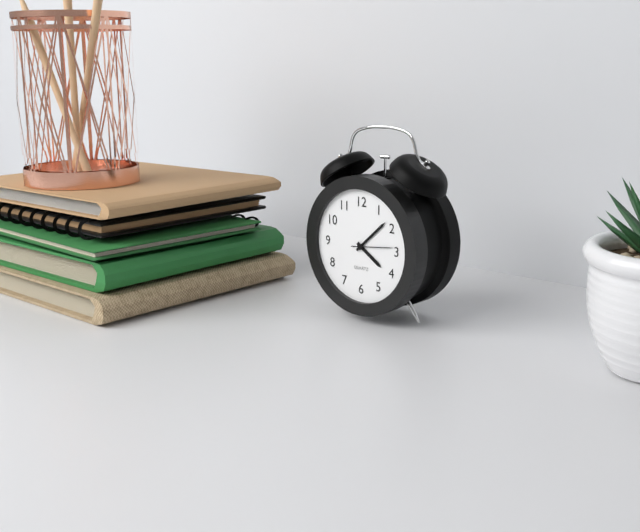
4.08
